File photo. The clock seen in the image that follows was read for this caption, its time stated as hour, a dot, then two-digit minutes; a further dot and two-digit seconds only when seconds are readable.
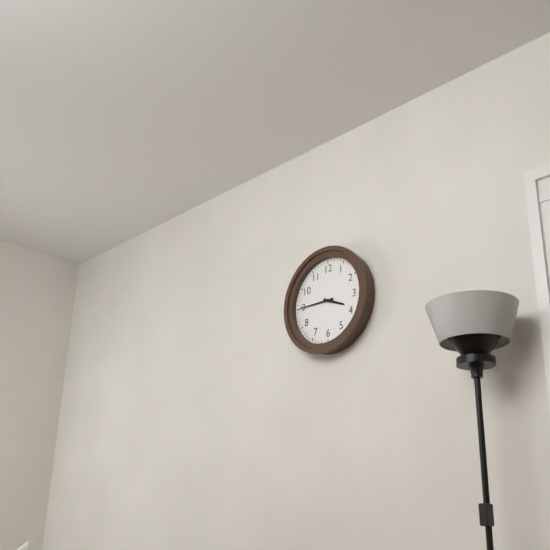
3.45
